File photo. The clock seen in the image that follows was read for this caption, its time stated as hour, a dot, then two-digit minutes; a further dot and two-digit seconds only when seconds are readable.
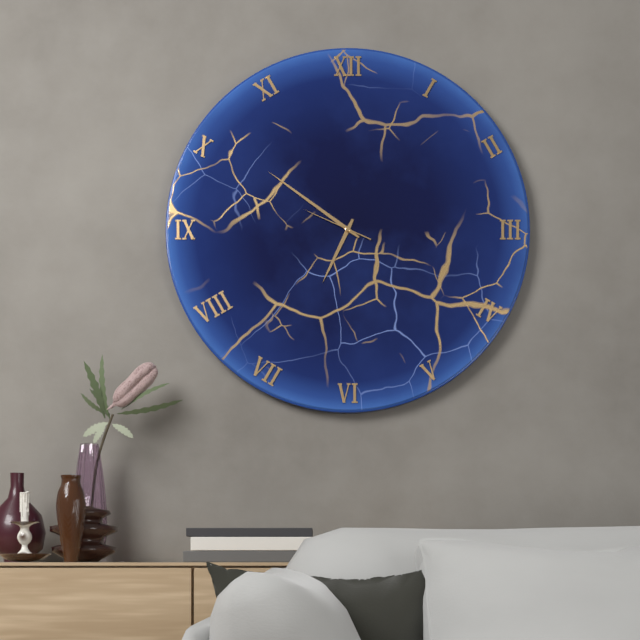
6.51.49
